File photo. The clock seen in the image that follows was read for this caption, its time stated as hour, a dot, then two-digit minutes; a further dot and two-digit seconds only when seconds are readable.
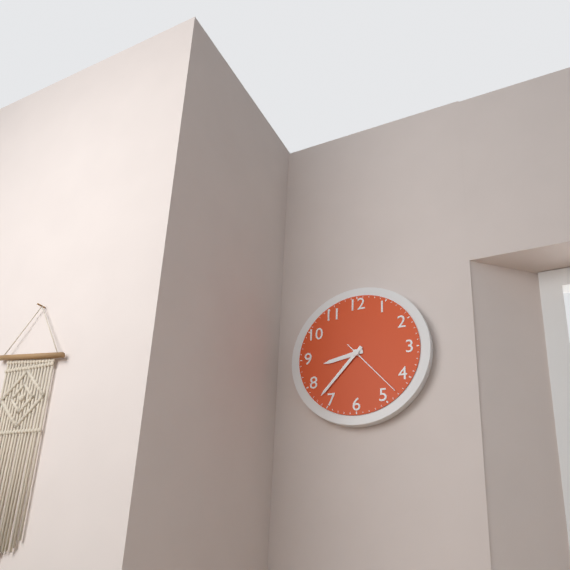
8.37.23
